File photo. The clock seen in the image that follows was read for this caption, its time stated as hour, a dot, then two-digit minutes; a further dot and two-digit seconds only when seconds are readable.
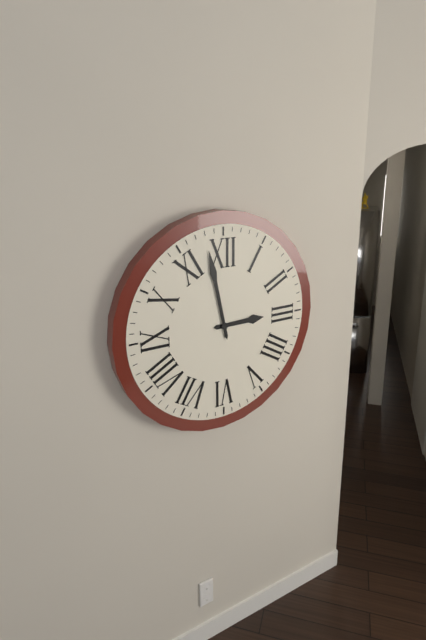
2.58
